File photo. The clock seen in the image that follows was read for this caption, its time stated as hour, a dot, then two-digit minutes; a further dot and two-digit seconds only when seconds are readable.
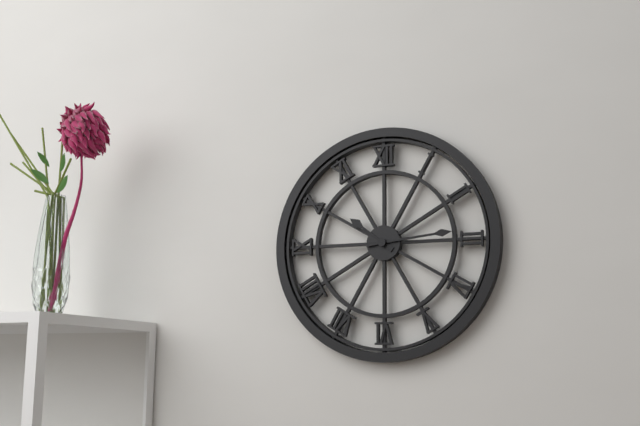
10.14
